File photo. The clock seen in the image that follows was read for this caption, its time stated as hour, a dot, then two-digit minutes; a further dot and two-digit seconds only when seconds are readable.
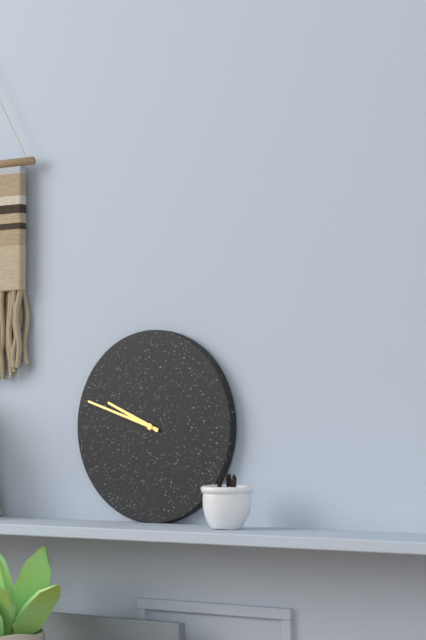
9.48
